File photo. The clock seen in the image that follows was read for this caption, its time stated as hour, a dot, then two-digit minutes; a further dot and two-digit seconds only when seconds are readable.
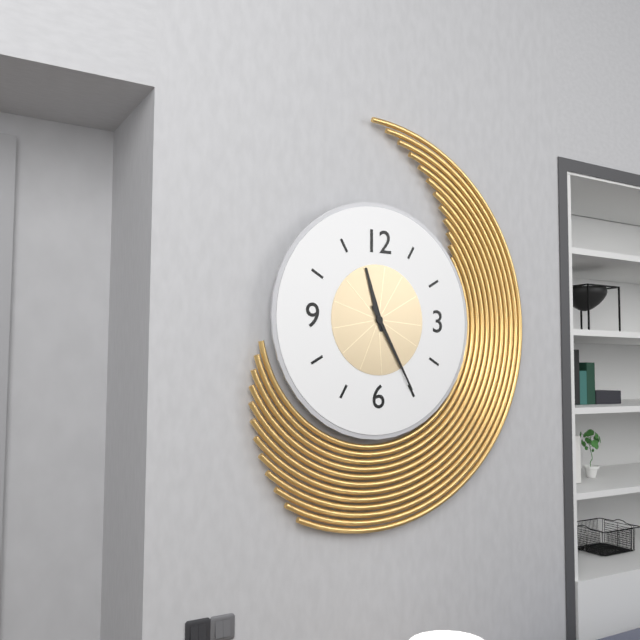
11.25
